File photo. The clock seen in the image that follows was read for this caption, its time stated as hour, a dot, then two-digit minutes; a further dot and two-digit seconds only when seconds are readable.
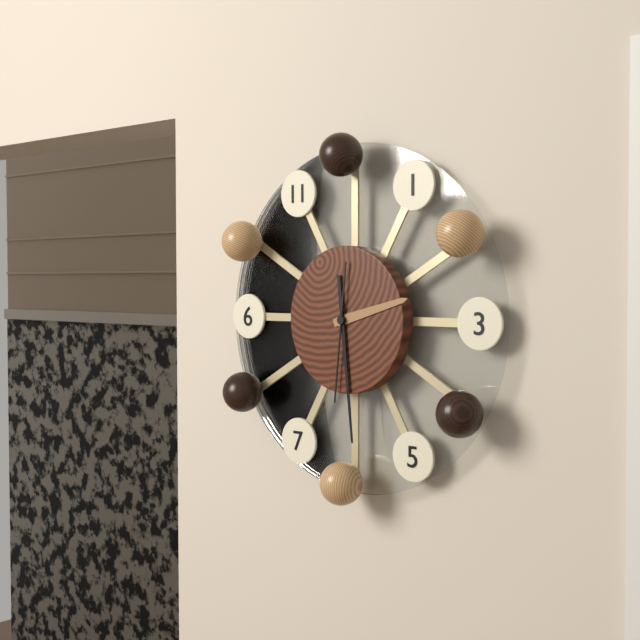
2.29.31
